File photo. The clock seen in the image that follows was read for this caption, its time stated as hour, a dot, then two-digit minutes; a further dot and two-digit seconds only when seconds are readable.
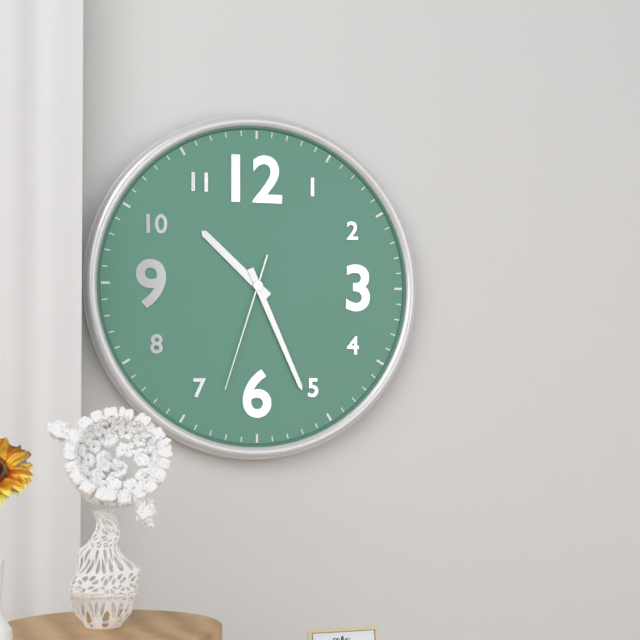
10.26.33
